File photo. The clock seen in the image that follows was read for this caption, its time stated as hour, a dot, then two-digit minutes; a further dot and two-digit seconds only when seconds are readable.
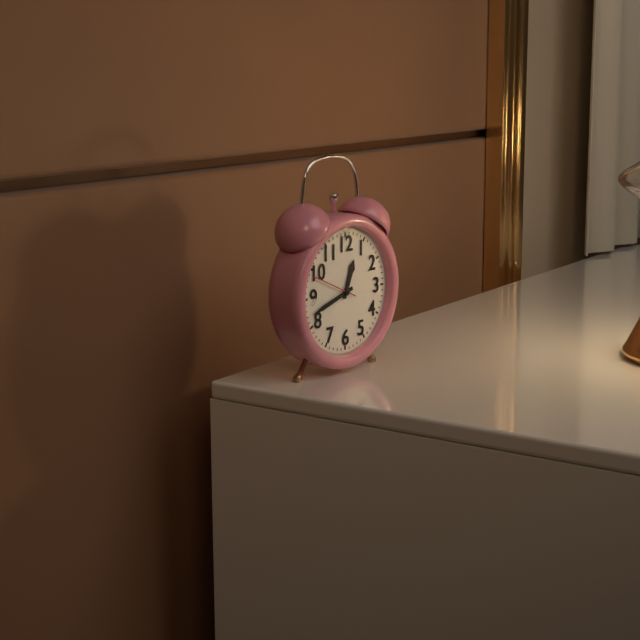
12.42
